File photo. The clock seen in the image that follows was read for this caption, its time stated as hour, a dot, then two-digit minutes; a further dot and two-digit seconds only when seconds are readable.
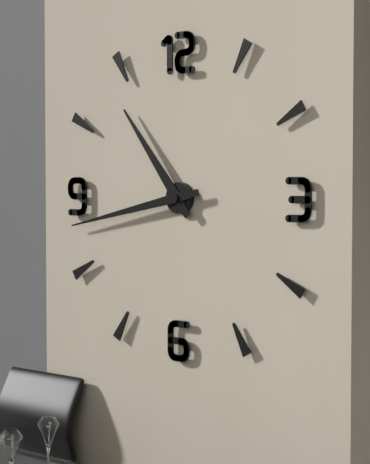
10.43
